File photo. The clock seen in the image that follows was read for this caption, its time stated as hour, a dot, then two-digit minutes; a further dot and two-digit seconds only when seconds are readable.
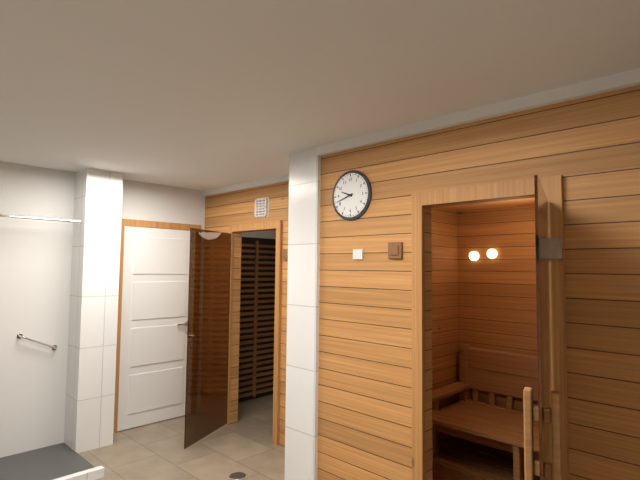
9.42
